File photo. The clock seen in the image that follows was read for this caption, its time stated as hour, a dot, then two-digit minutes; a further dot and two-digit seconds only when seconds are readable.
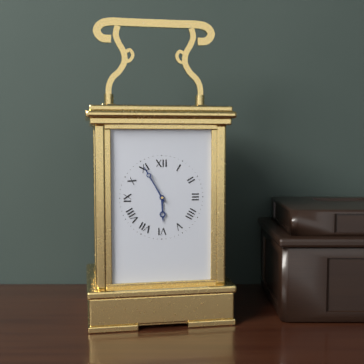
5.55
